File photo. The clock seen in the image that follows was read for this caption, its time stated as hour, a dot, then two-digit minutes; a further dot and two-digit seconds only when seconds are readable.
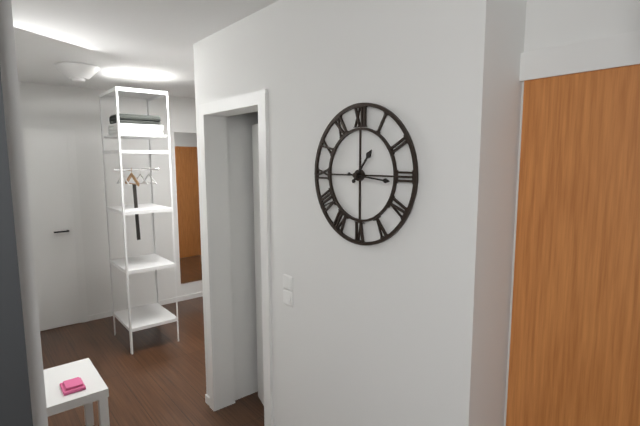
1.16
